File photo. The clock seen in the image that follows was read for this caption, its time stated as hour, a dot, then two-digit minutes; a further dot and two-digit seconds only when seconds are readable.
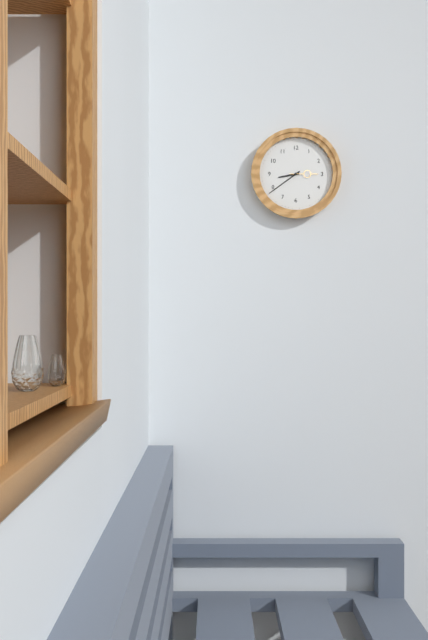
8.39
